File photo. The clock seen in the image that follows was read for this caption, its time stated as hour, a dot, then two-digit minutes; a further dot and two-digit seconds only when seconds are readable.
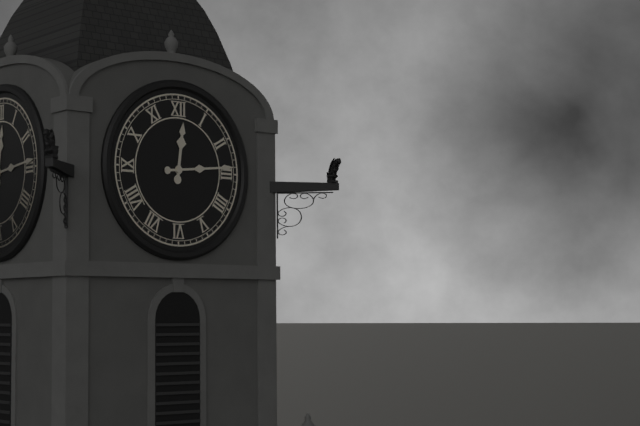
12.14
